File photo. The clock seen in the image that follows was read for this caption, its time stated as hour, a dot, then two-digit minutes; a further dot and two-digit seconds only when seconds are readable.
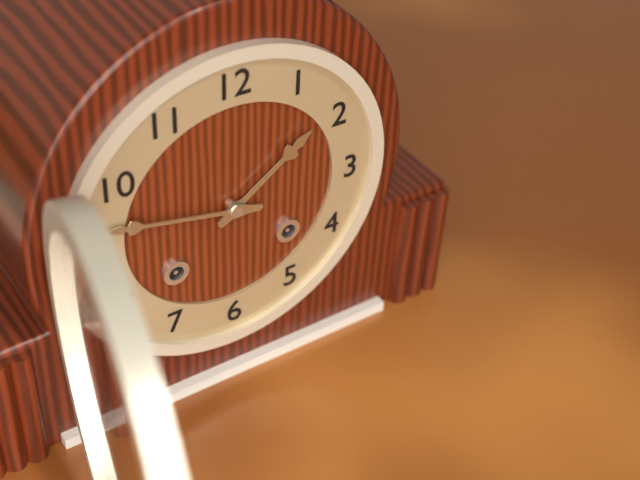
1.47
